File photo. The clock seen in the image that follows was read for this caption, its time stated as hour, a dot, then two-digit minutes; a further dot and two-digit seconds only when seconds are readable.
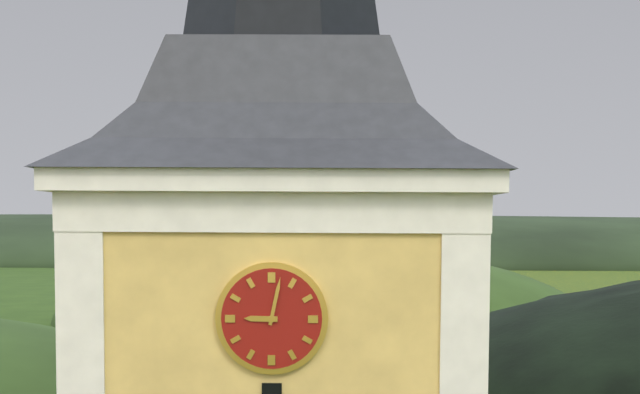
9.02
